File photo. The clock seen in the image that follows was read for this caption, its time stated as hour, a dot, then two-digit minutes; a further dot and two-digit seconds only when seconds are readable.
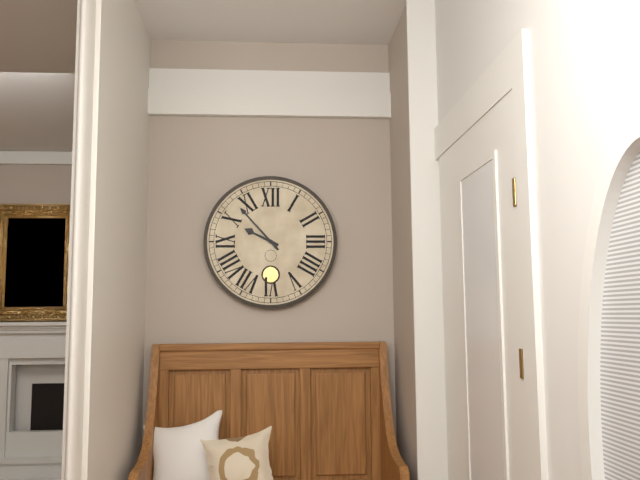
9.53
